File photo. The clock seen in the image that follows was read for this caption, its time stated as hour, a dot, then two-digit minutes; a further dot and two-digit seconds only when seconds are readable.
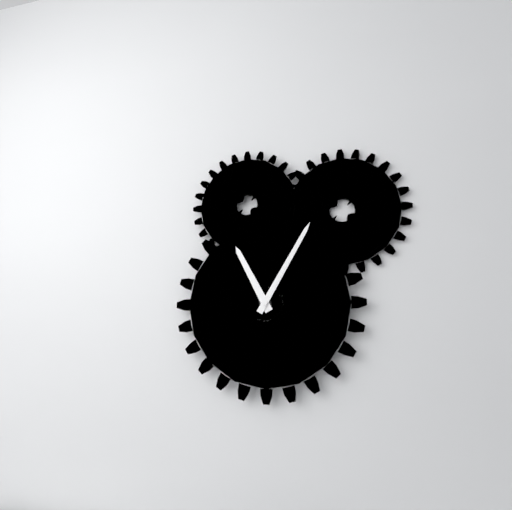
11.05
